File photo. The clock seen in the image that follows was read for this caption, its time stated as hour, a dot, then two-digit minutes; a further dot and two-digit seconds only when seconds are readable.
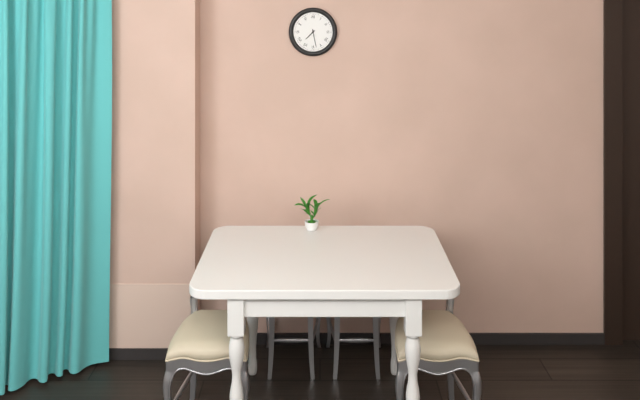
7.28
